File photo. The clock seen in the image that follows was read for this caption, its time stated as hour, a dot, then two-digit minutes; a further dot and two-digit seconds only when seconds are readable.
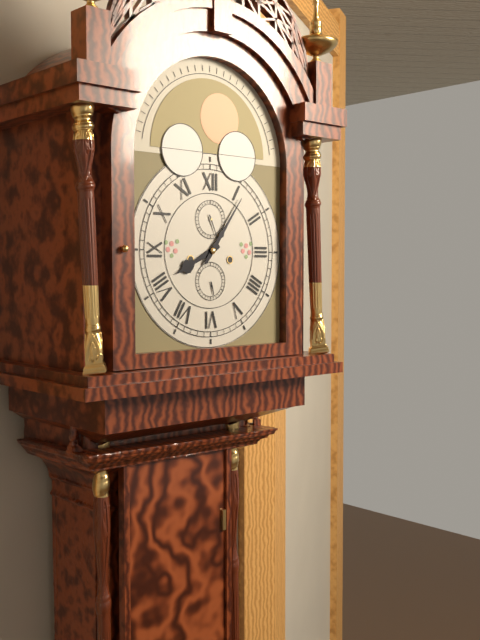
8.06
